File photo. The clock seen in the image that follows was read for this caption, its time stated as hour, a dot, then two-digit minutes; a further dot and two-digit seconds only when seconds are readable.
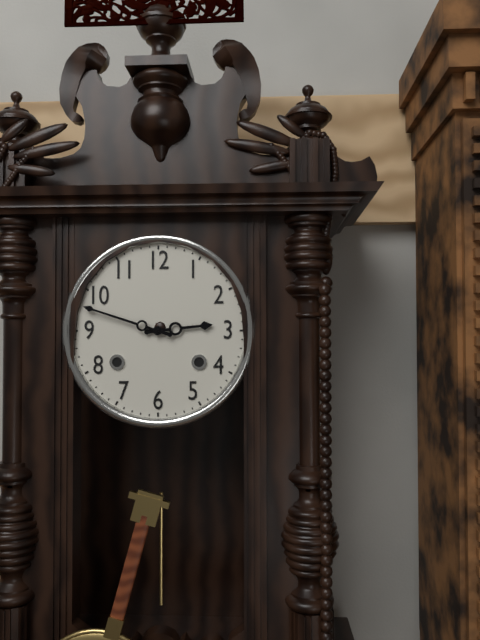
2.48
